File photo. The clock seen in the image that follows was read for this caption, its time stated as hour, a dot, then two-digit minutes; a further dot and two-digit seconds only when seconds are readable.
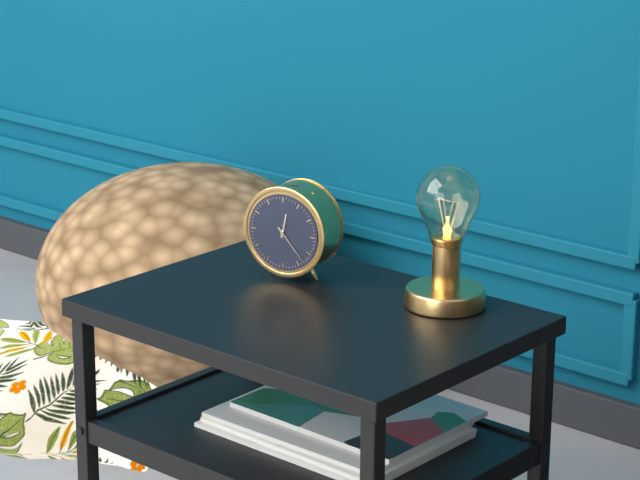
12.23
